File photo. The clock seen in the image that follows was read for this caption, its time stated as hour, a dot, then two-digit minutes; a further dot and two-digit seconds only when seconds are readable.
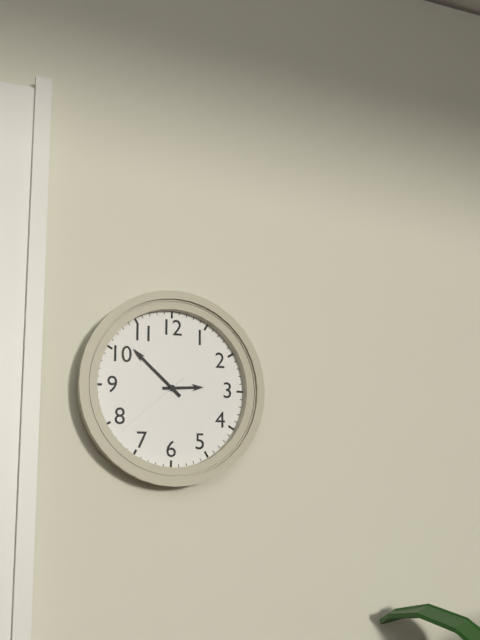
2.52.38
